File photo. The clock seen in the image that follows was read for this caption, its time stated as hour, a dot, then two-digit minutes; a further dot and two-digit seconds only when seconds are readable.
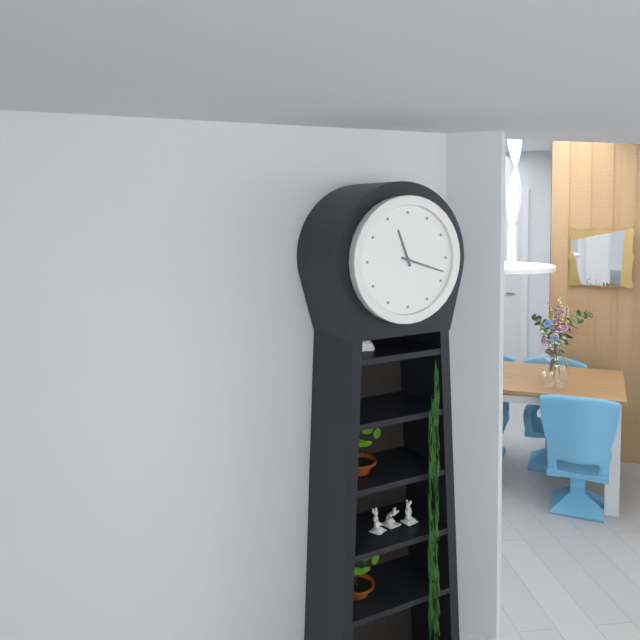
11.18
